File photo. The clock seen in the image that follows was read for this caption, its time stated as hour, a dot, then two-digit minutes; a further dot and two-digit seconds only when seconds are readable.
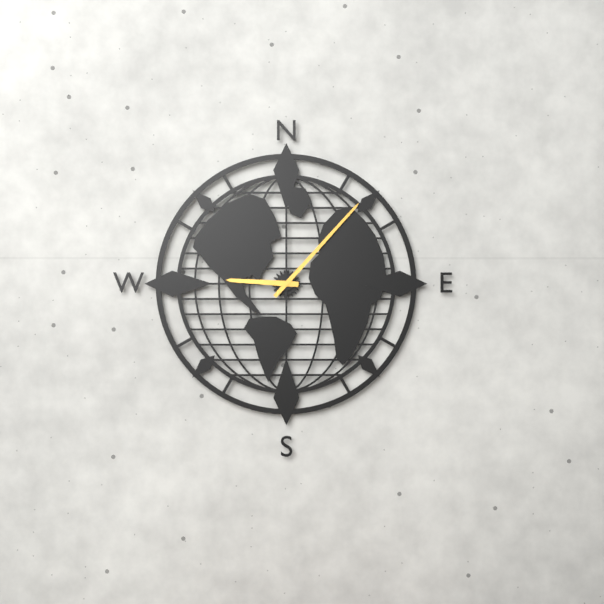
9.07
